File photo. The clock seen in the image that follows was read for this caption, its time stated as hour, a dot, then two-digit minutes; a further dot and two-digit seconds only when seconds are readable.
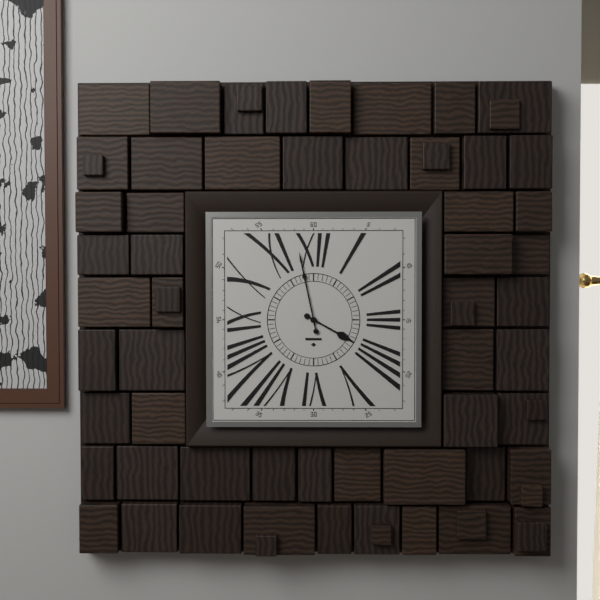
3.58
